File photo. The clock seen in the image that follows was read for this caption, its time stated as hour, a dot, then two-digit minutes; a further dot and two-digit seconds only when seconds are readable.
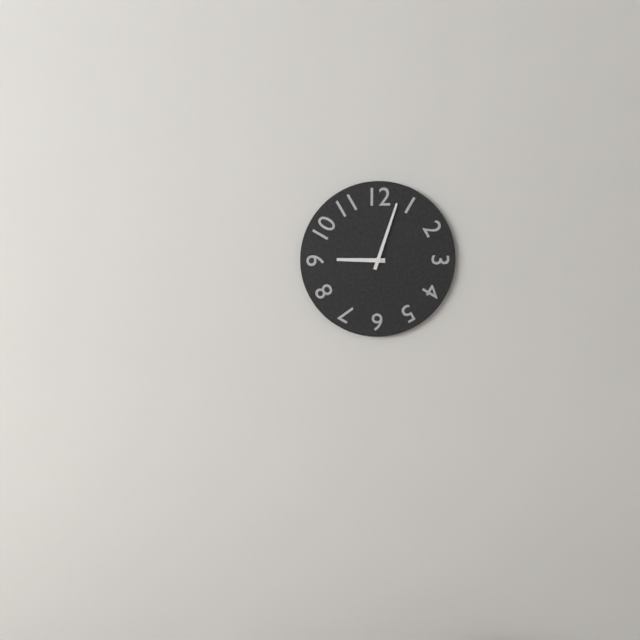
9.03
